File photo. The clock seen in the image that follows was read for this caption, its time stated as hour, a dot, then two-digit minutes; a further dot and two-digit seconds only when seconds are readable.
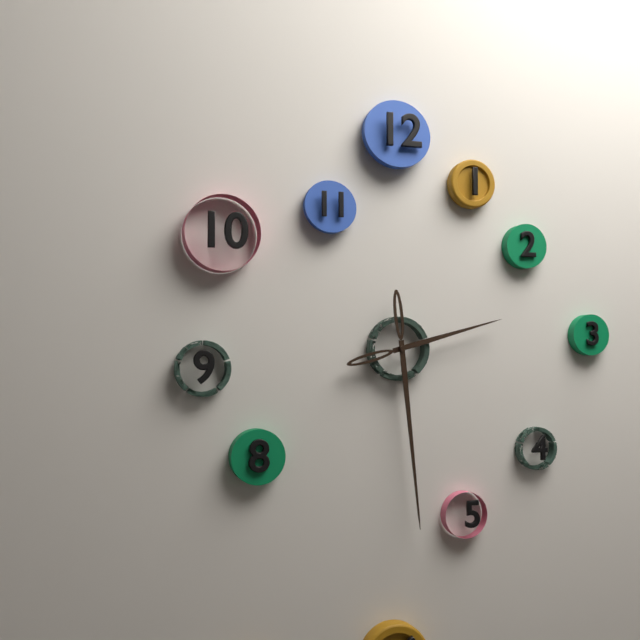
2.29
